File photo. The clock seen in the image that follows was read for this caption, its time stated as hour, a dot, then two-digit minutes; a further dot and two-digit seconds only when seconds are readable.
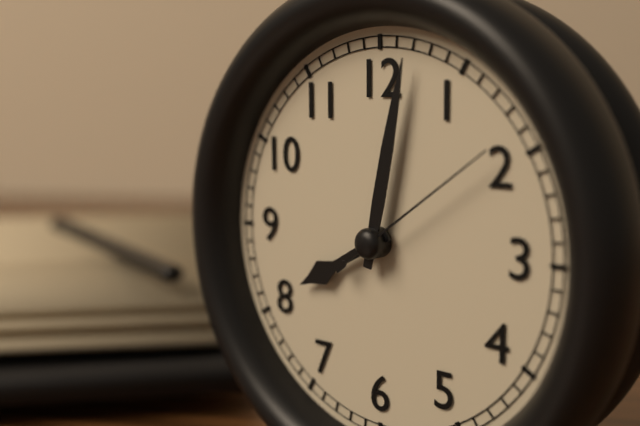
8.02.09
